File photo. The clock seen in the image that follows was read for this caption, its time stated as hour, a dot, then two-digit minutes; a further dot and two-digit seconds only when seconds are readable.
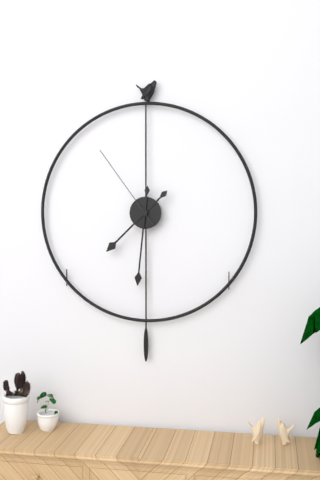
7.31.54
